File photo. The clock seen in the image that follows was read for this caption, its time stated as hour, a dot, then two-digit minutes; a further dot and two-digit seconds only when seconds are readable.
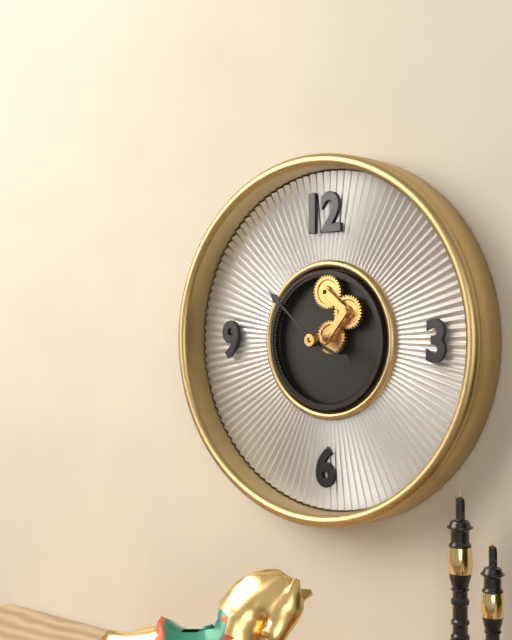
3.52
